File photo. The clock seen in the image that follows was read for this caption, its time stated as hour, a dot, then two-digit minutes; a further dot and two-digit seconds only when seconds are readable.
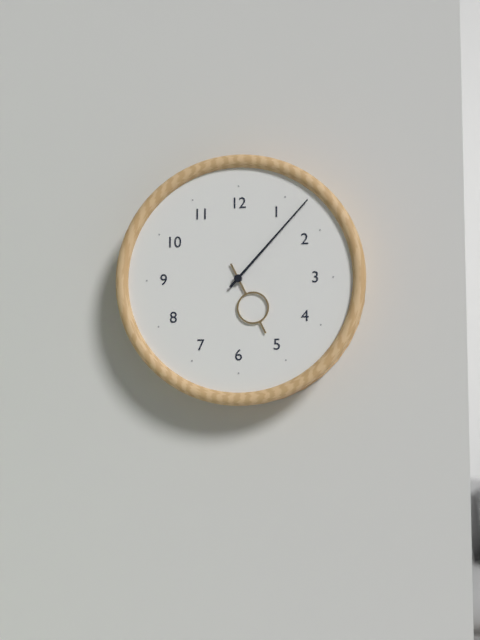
5.07
